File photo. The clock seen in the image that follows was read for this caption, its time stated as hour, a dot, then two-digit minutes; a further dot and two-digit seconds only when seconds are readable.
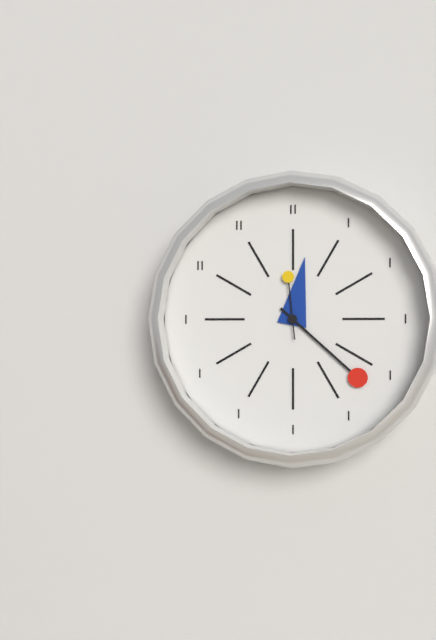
12.22.59
